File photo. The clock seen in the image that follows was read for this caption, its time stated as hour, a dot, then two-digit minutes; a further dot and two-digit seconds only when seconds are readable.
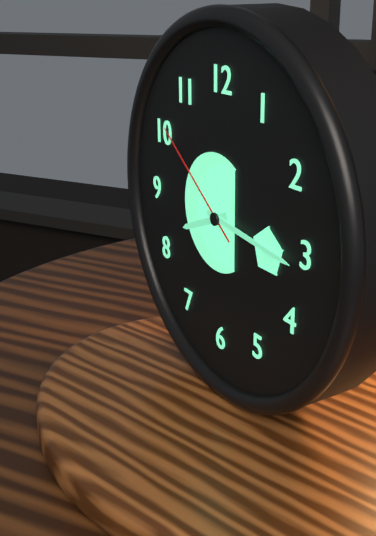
8.16.51
